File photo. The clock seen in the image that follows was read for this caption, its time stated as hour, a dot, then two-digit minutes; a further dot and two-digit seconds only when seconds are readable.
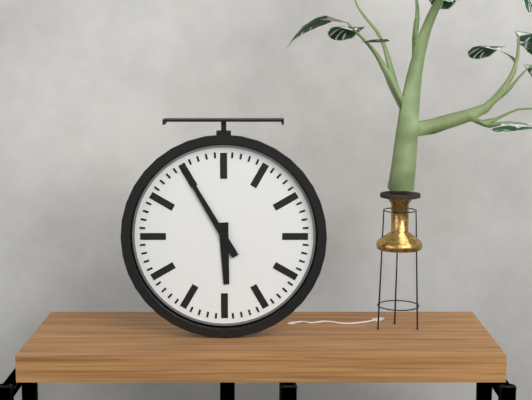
5.55
